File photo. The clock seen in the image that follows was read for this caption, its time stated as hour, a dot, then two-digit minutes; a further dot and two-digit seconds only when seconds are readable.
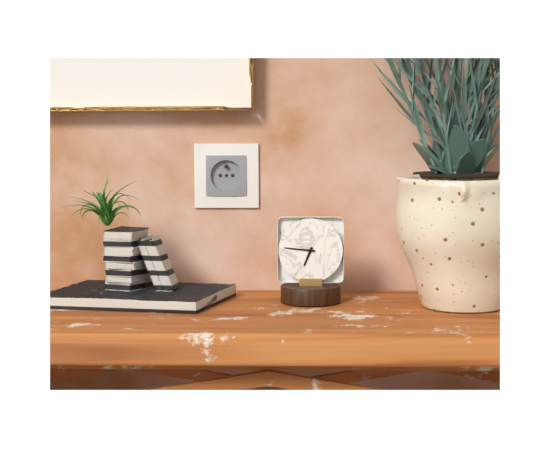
6.46
